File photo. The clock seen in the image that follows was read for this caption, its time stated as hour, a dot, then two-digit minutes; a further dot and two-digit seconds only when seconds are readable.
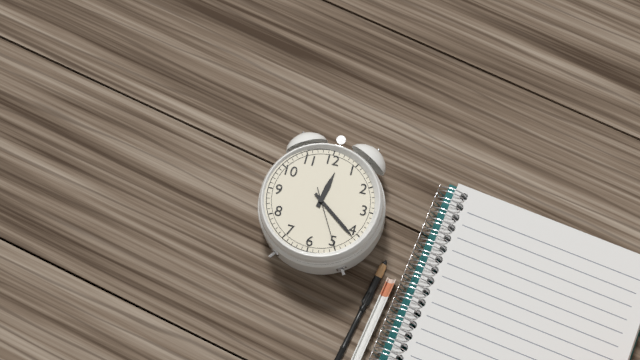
12.21.25
